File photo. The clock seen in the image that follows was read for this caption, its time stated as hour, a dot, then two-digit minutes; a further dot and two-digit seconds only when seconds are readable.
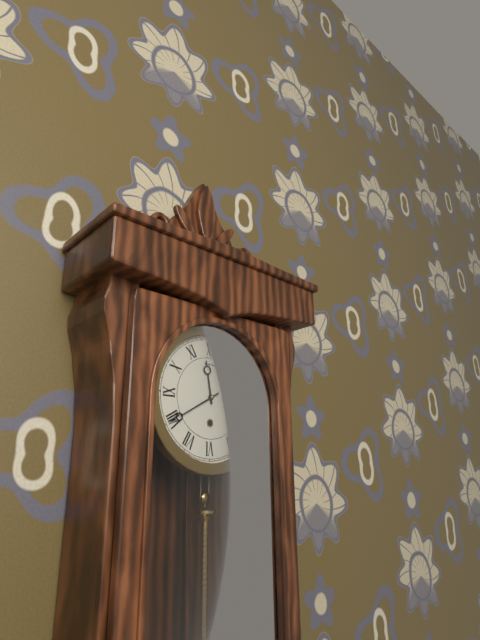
11.40
